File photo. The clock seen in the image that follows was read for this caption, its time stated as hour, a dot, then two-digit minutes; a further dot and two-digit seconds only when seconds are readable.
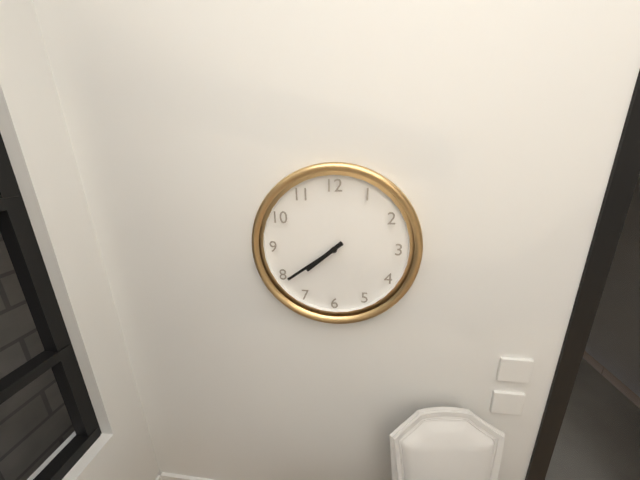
7.39
